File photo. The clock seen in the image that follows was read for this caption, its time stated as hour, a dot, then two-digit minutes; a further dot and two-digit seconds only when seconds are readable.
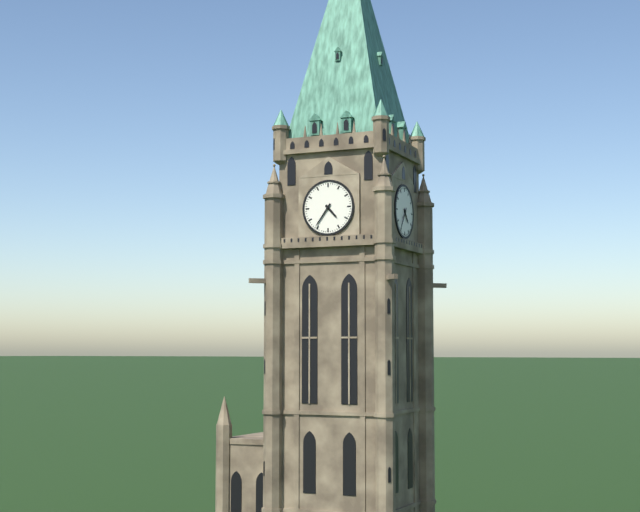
4.36
